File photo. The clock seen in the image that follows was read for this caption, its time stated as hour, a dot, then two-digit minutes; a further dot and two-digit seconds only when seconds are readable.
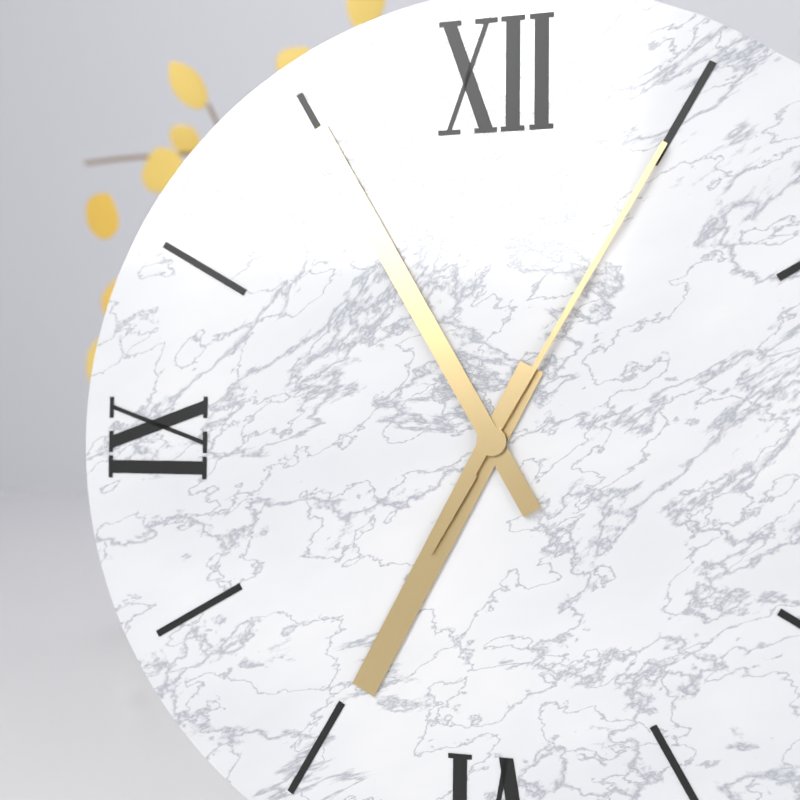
6.55.05
